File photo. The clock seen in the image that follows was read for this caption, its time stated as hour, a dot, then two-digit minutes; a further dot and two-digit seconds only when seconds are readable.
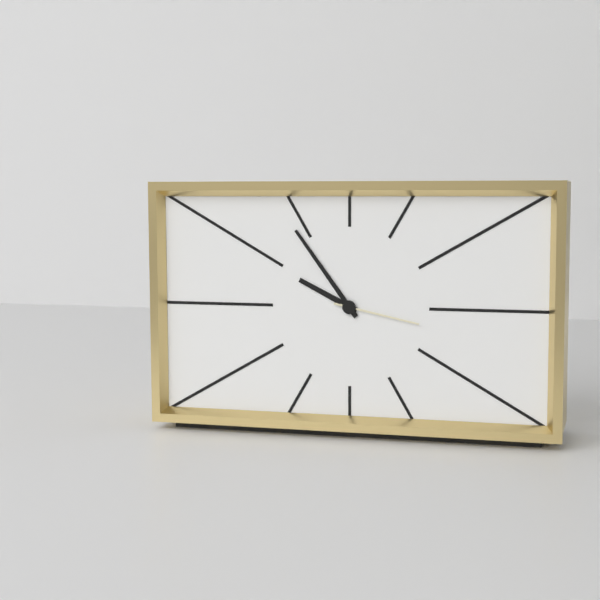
9.54.17
